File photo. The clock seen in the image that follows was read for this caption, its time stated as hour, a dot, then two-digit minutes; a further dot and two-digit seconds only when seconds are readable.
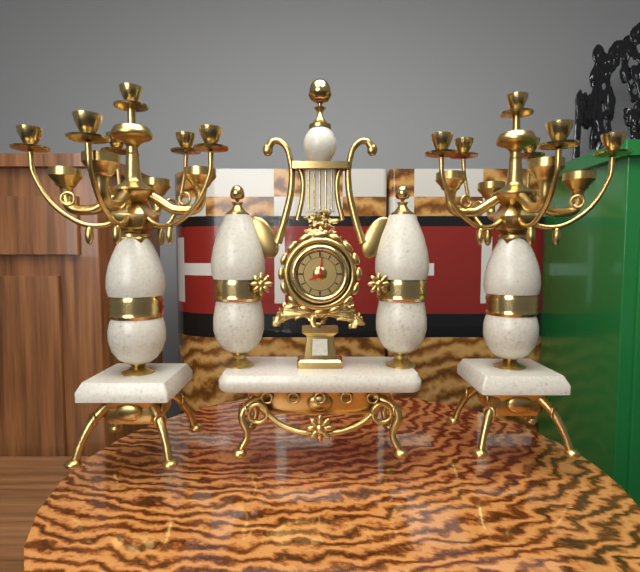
8.01
